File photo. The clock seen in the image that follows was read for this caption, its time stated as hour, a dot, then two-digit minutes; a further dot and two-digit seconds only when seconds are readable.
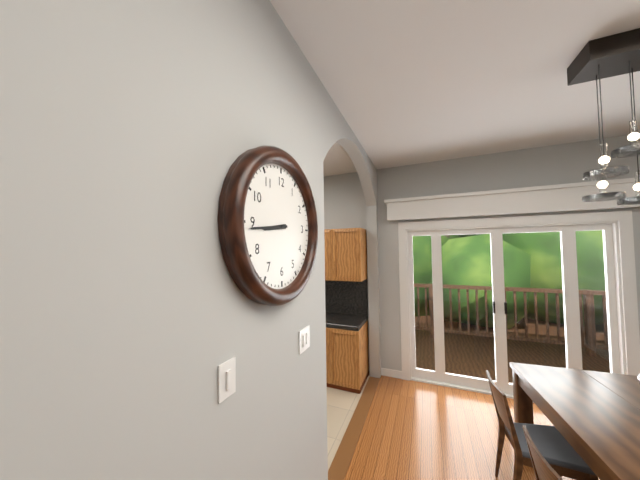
8.44
